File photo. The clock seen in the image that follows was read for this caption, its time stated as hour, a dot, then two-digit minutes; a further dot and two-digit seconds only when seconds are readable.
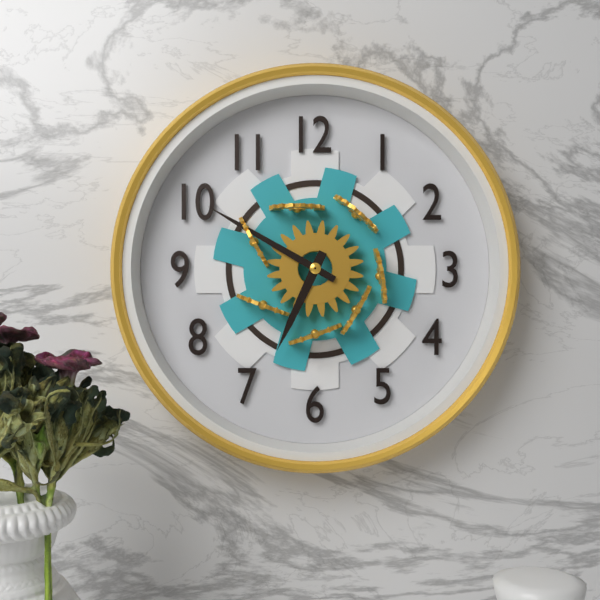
6.50
